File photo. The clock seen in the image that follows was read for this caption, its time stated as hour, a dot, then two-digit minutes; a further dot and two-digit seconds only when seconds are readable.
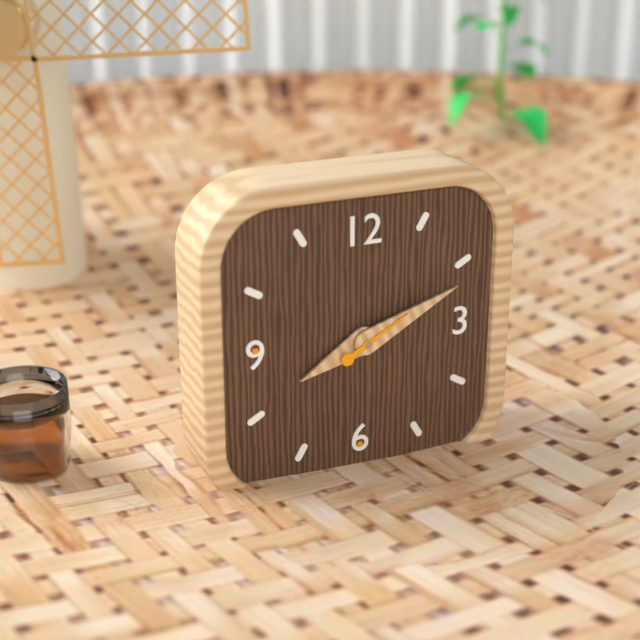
8.11.10
